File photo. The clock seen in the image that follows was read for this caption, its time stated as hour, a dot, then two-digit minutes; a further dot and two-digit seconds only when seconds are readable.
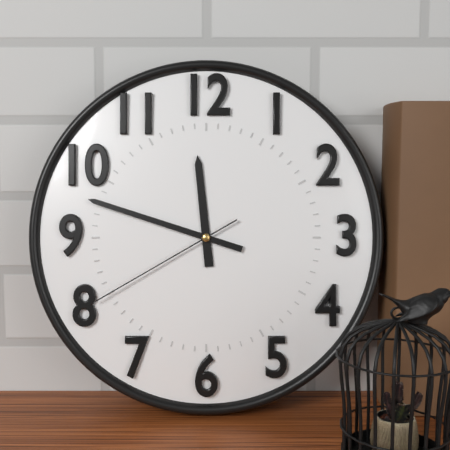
11.48.40
